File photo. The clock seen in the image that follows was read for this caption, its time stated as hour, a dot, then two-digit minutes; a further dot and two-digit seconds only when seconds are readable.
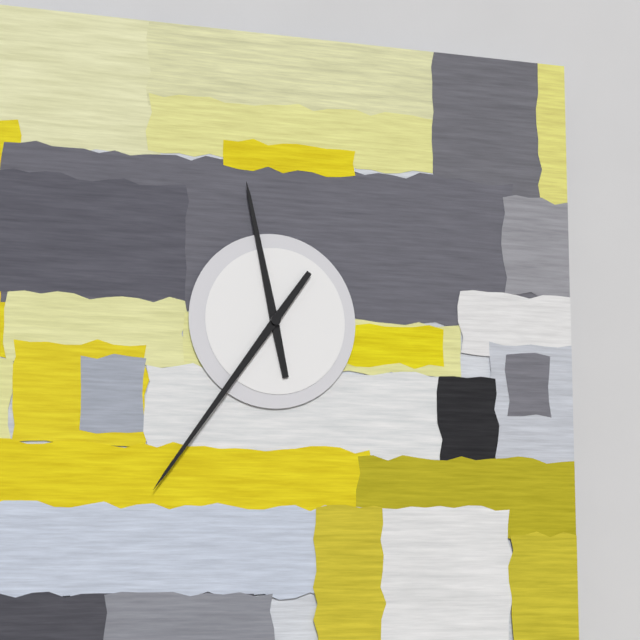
11.36
